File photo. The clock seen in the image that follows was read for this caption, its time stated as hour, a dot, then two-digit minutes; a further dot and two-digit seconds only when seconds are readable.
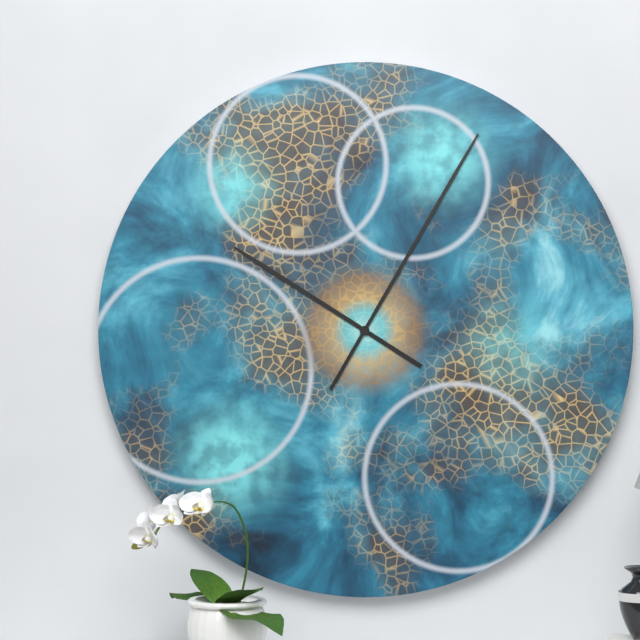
10.05
